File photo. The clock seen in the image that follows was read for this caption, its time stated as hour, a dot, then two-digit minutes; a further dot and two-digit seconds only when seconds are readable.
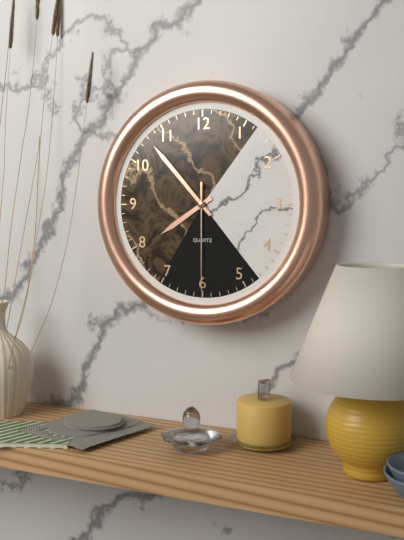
7.53.30
